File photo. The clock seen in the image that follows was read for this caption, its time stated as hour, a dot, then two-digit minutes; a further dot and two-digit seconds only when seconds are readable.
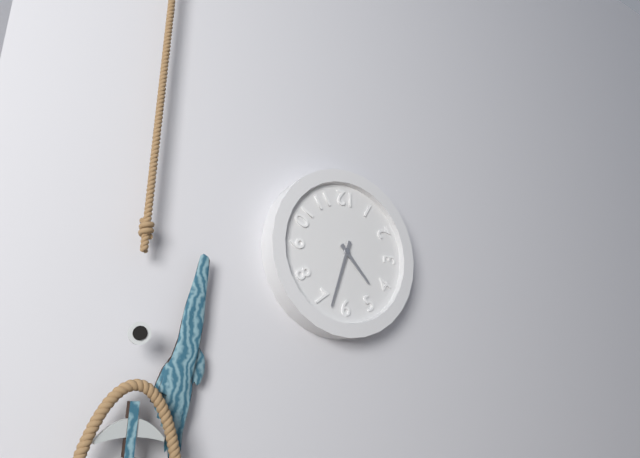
4.33
